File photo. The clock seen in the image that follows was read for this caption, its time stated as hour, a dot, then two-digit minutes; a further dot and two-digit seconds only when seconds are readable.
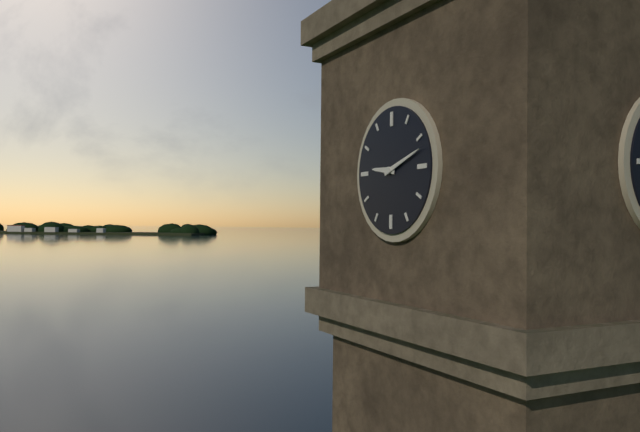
9.12
